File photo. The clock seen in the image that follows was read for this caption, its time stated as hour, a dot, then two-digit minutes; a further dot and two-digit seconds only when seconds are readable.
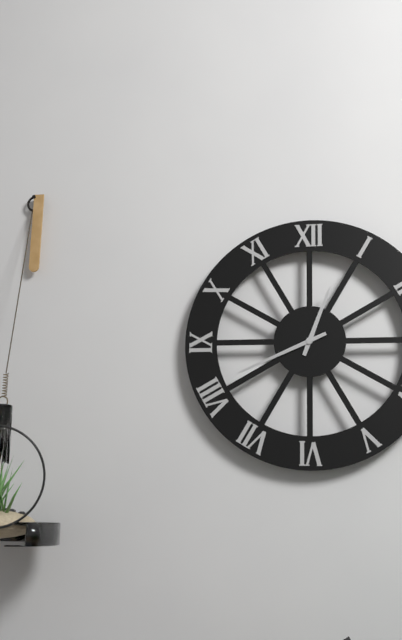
12.41
